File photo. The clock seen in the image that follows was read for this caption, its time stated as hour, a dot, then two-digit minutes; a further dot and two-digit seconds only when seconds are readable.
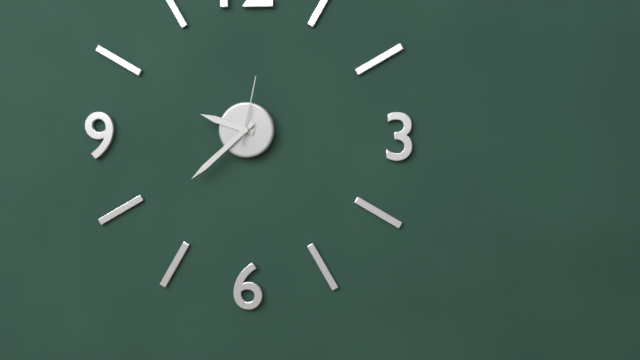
9.38.02
